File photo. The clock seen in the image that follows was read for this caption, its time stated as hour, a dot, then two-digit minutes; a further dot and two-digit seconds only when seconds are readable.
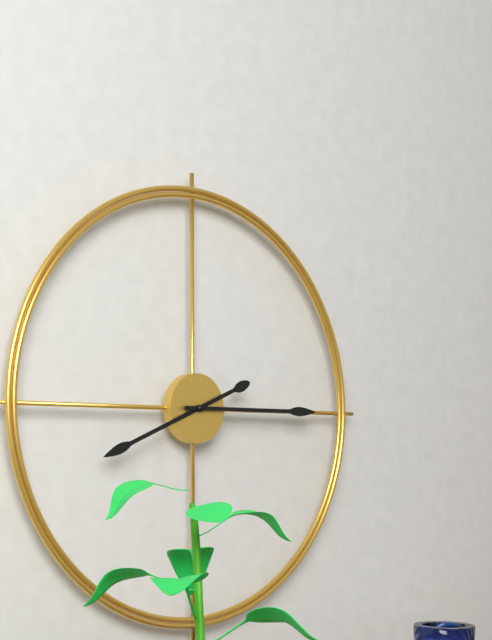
8.15
